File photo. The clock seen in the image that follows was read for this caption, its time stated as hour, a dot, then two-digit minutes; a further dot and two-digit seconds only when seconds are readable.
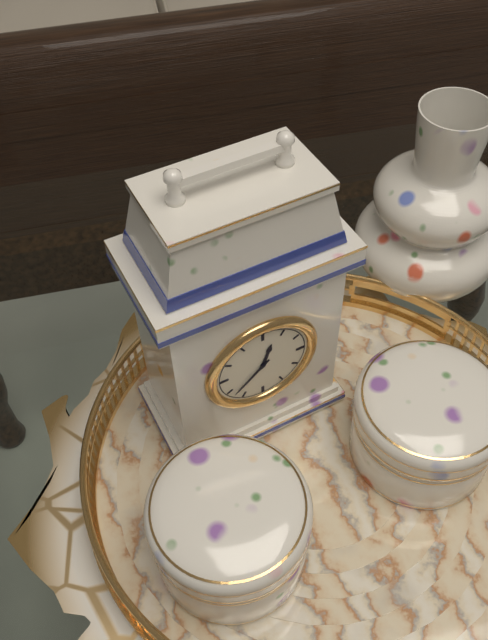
12.38
